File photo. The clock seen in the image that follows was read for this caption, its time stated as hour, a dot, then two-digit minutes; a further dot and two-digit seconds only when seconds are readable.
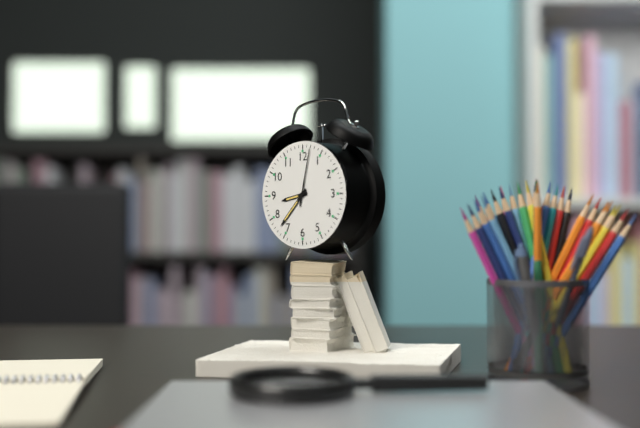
8.37.02
